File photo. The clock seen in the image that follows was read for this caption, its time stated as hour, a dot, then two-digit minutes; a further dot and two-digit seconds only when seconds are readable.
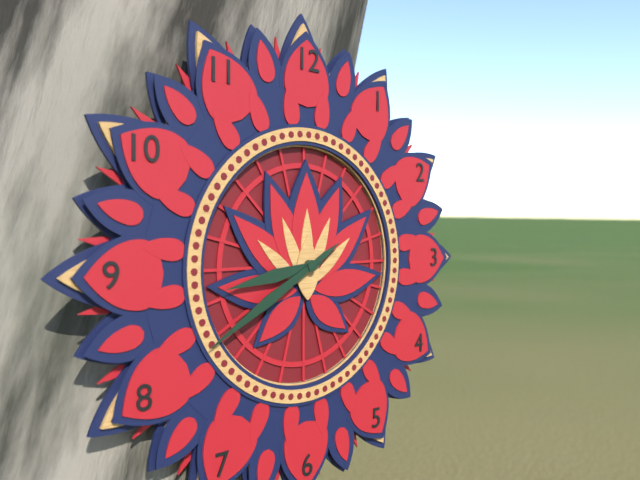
8.40
